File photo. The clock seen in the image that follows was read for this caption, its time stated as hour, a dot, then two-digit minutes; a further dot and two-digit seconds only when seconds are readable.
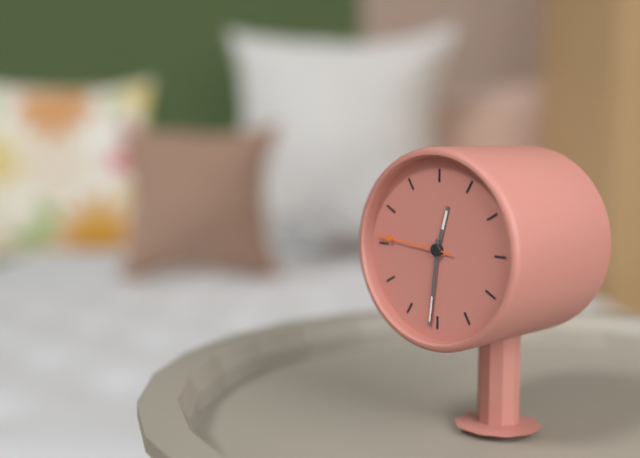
12.31.46
